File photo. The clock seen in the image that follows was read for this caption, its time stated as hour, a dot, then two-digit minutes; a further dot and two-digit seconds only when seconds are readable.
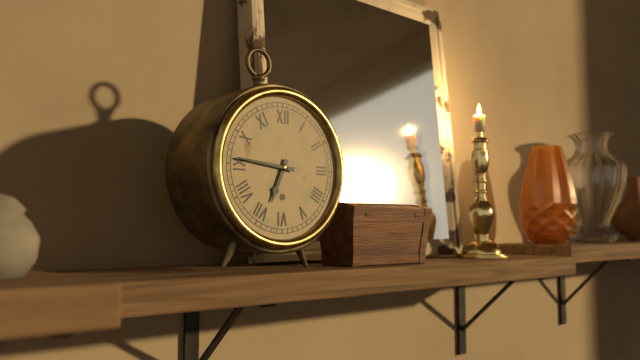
6.46
